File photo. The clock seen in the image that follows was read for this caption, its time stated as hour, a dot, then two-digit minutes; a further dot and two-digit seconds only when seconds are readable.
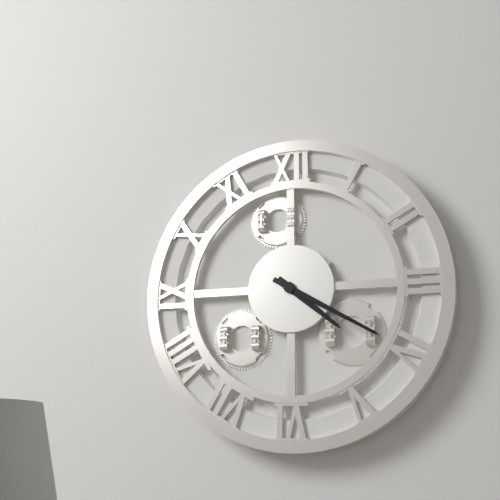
4.20
